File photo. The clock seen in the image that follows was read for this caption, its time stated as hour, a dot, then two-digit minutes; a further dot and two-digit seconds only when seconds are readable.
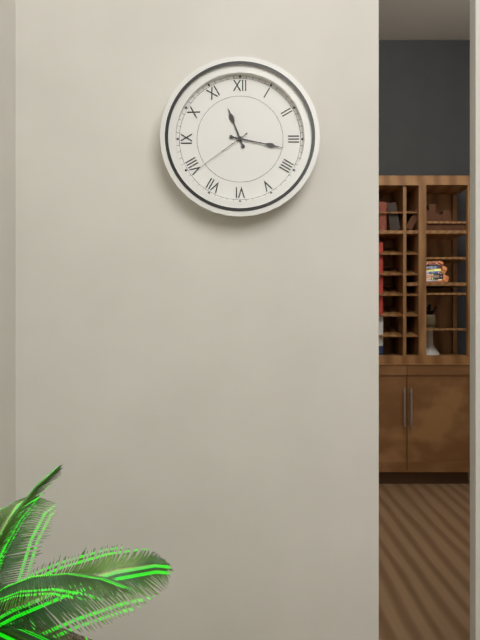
11.17.39
